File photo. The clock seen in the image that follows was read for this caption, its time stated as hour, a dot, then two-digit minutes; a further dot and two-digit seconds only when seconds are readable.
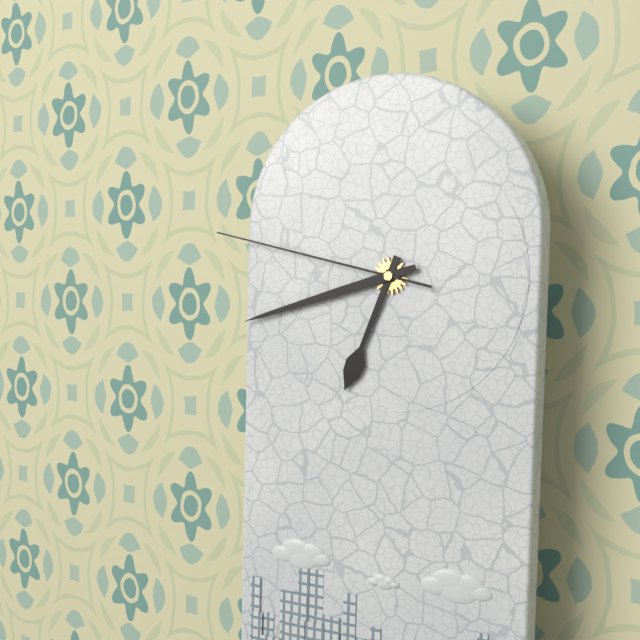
6.42.47
